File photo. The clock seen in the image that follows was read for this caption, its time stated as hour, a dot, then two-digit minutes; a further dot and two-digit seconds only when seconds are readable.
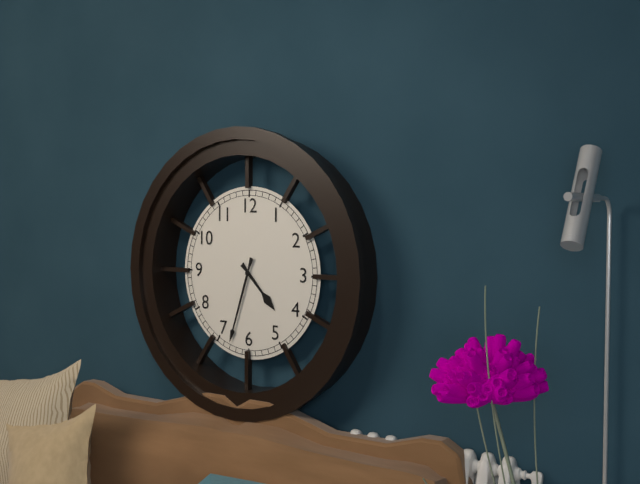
4.33
